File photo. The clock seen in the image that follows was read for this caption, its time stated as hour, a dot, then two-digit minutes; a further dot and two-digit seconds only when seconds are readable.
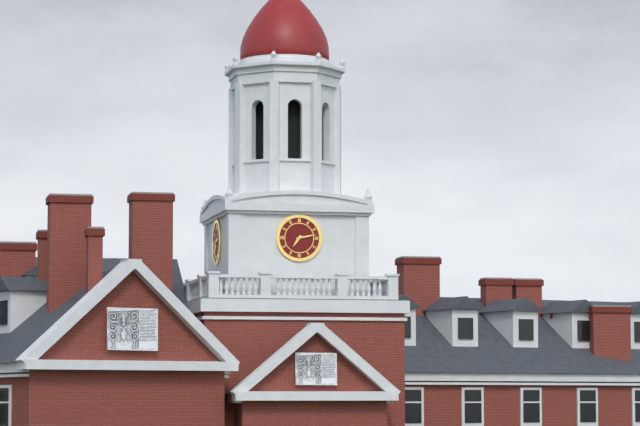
7.13
